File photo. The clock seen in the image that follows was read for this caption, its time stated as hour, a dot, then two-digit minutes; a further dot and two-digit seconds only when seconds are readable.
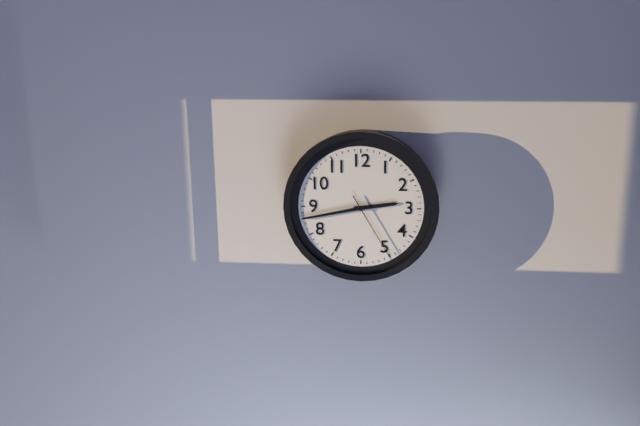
2.43.25
